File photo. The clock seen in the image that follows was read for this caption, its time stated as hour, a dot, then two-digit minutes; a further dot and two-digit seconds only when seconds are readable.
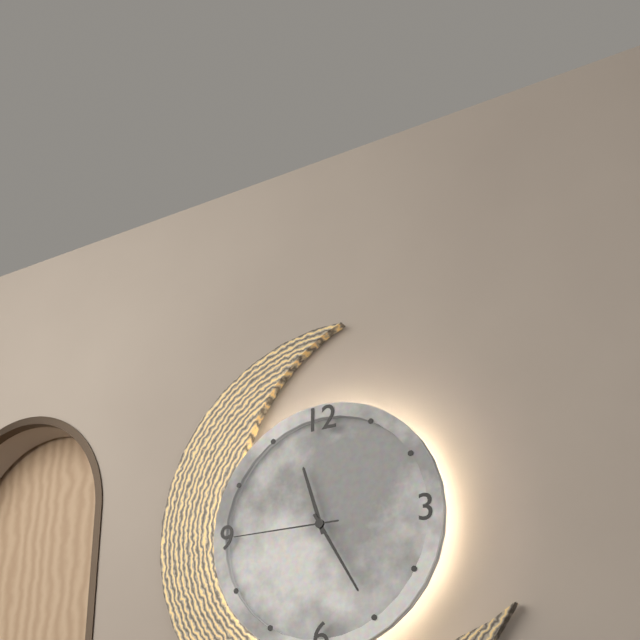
11.25.45
